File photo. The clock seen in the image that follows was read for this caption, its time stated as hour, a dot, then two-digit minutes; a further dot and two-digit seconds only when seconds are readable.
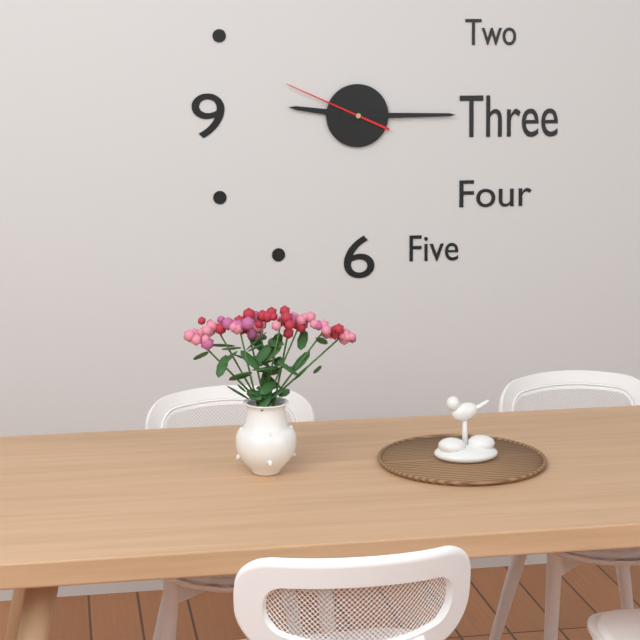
9.15.49
